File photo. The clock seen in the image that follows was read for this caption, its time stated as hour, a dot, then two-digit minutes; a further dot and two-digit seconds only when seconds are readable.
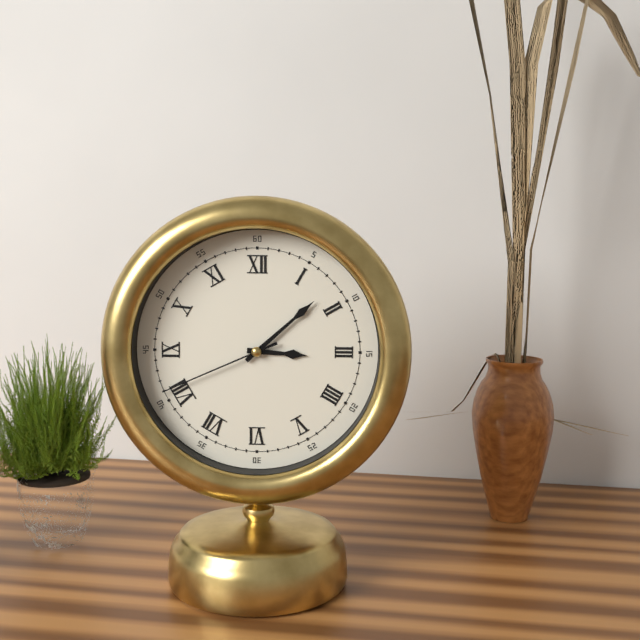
3.08.41
